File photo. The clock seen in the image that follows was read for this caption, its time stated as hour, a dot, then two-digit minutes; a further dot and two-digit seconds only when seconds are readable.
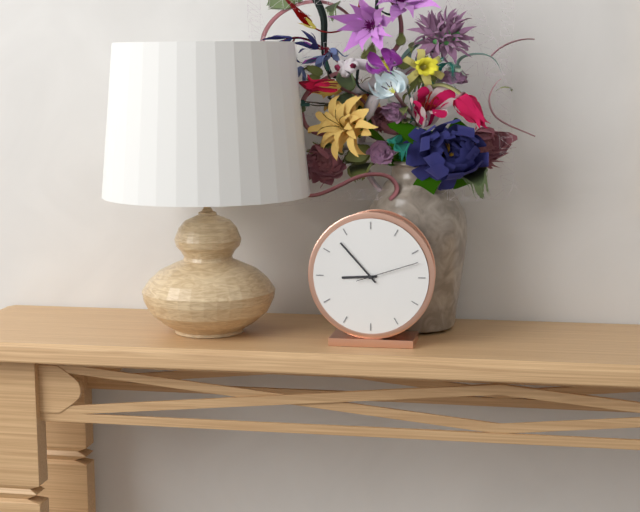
8.53.12
